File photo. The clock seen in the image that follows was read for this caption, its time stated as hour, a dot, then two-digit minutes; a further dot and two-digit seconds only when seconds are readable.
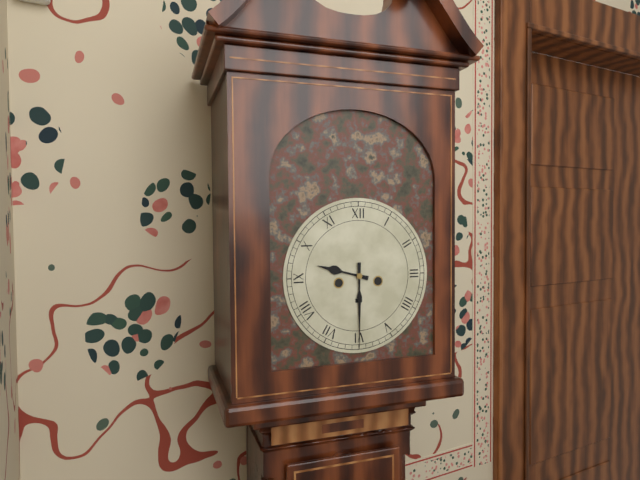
9.30
